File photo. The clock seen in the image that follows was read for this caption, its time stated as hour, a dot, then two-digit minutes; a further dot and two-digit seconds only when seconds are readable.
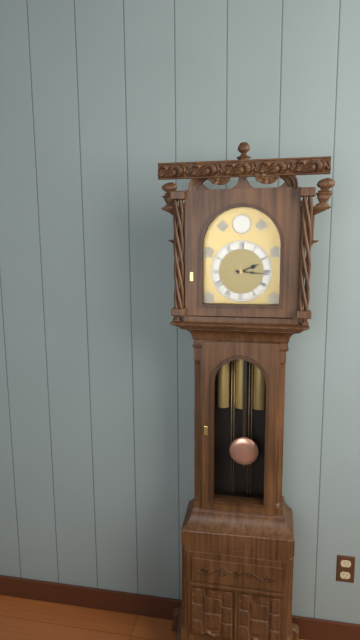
2.16
